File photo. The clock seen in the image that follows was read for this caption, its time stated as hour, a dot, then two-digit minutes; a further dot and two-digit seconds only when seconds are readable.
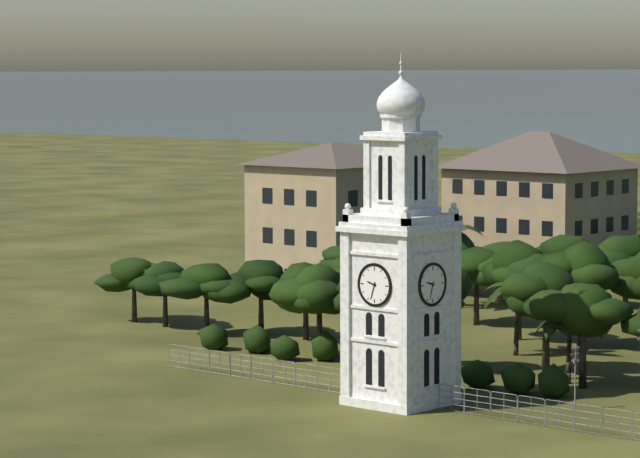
9.33
